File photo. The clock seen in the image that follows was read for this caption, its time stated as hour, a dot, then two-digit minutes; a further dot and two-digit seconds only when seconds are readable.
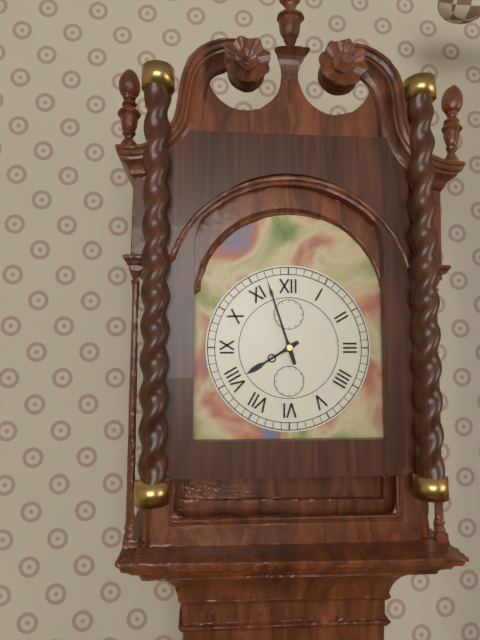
7.57
